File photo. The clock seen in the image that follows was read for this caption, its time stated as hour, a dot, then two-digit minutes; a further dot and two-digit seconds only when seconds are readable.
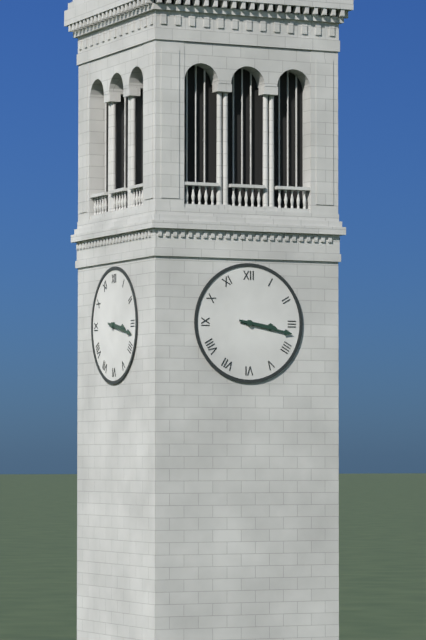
3.17
